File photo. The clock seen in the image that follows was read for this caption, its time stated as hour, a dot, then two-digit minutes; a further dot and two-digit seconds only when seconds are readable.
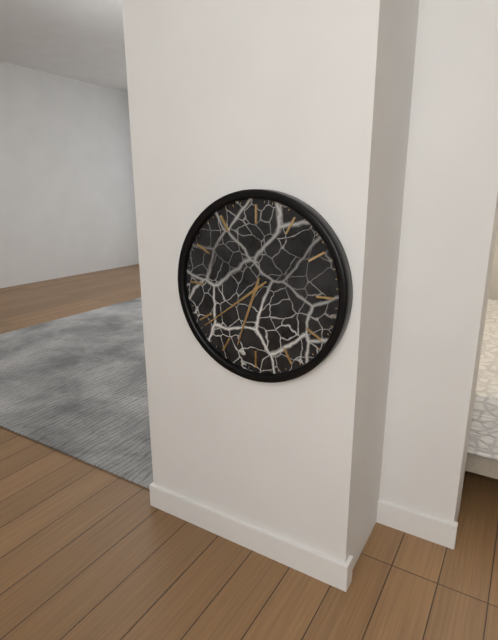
6.39
